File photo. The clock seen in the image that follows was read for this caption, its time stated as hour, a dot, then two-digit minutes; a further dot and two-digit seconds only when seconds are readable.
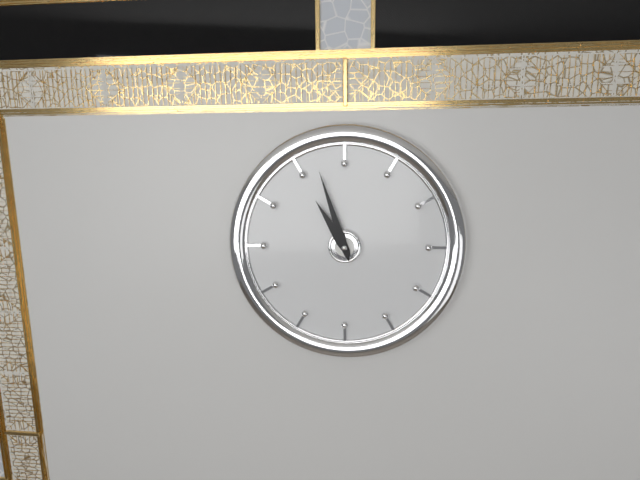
10.57
